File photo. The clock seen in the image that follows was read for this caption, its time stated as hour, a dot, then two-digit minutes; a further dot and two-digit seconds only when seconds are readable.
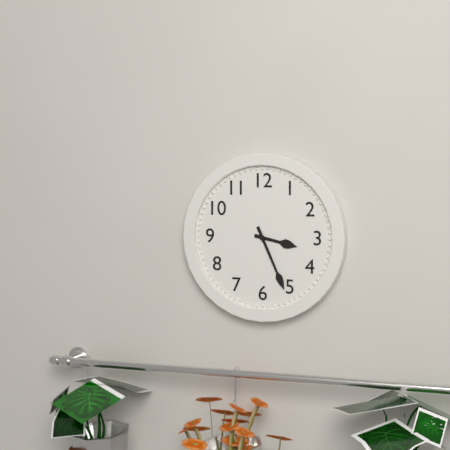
3.26
